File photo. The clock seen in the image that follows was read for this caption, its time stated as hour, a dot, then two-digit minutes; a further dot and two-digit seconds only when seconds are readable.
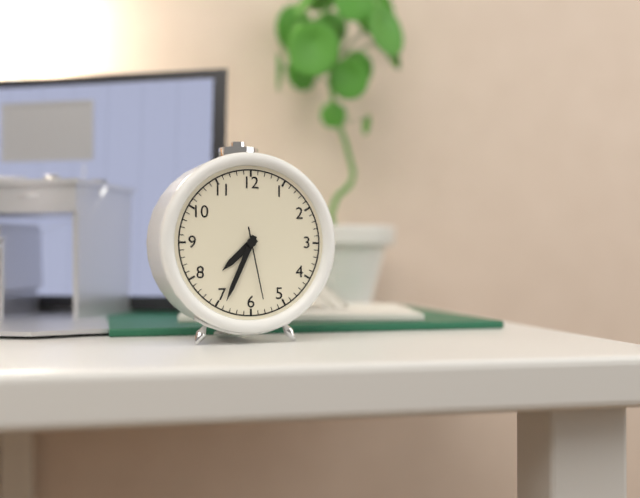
7.34.28
